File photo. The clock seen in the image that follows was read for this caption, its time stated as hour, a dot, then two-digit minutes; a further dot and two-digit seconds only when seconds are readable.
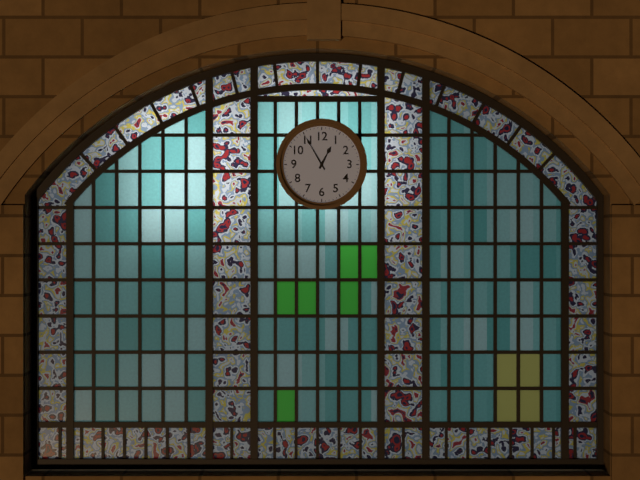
12.55
